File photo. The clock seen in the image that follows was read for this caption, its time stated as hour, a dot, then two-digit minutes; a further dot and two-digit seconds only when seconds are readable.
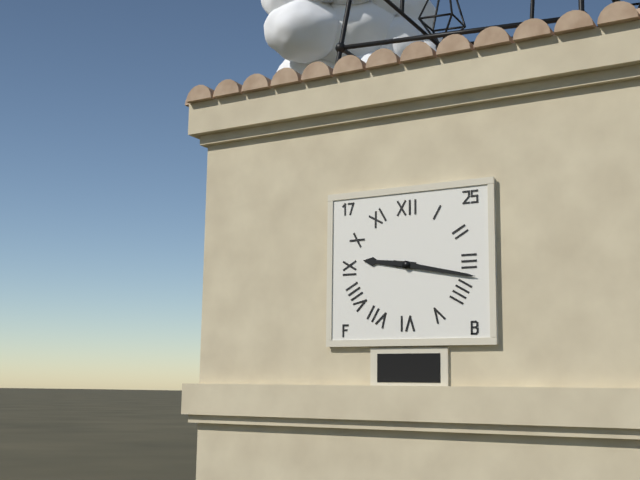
9.17
